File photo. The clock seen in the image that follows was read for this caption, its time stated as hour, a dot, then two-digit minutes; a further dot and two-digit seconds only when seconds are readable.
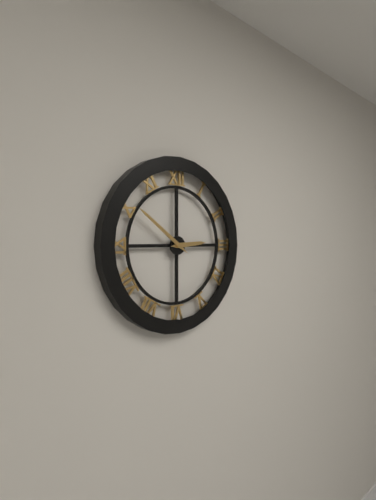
2.51
